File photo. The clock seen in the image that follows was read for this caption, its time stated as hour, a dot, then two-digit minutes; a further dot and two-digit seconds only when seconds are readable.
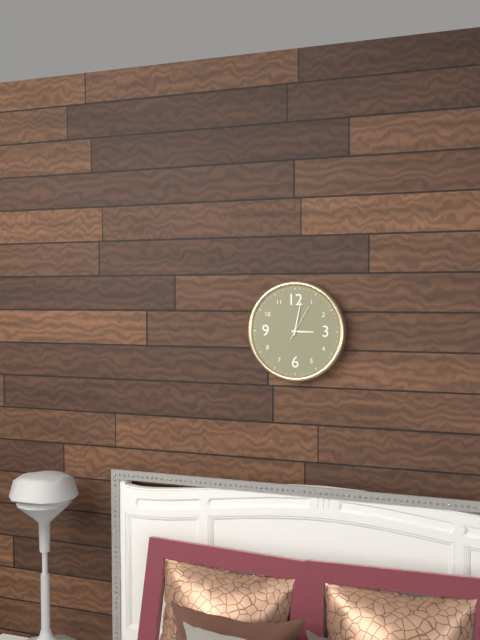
3.02
